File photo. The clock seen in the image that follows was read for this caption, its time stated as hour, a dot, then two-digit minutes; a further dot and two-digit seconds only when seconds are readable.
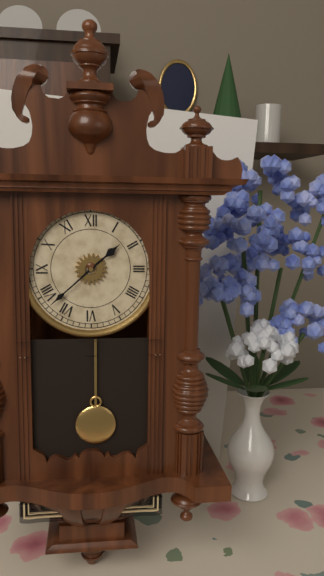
1.38
